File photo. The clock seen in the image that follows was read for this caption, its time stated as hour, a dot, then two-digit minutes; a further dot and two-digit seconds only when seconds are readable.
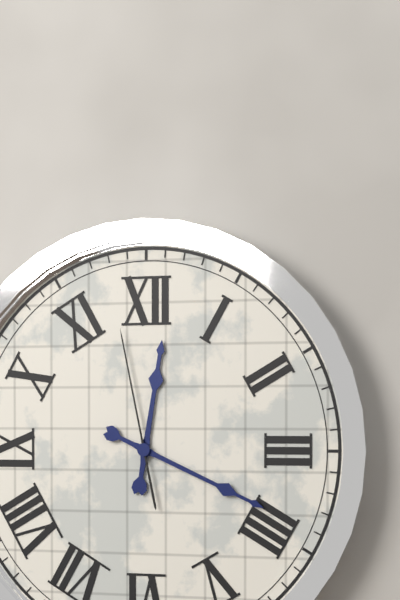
12.19.58
